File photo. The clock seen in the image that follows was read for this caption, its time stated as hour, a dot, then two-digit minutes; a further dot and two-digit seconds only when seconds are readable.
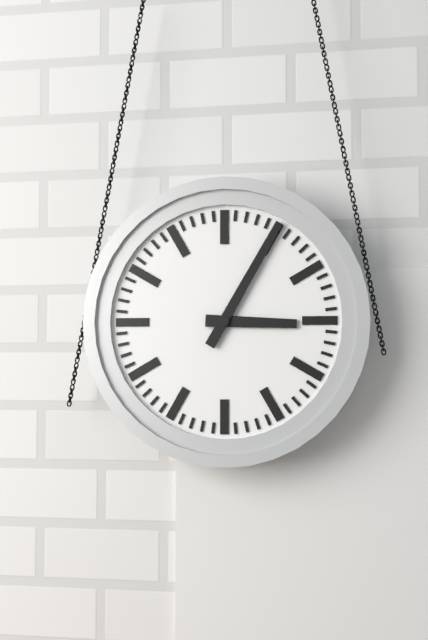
3.05
